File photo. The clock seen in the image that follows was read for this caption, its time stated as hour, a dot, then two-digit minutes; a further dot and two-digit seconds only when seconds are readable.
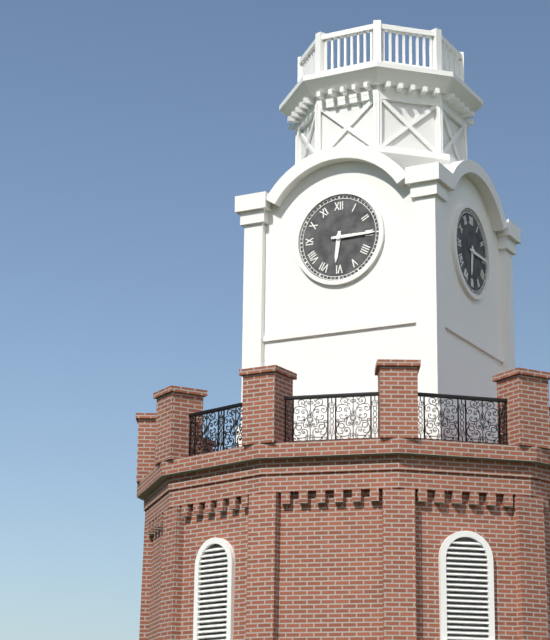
6.15
